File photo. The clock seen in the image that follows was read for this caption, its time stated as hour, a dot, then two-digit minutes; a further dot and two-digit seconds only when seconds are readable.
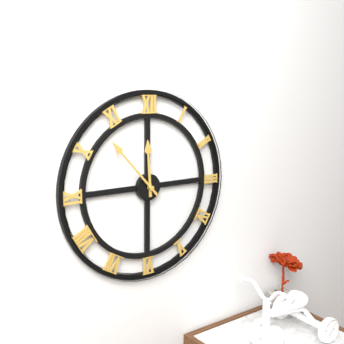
11.53
